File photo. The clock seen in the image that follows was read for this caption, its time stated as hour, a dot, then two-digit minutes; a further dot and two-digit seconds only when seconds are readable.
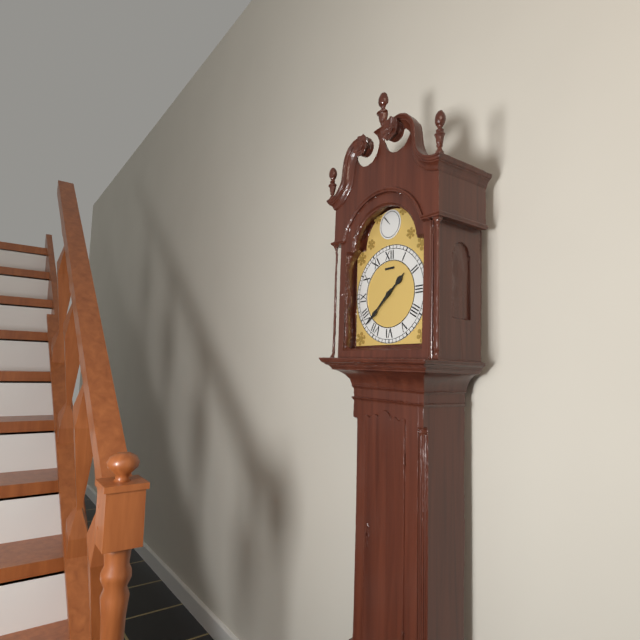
1.38
